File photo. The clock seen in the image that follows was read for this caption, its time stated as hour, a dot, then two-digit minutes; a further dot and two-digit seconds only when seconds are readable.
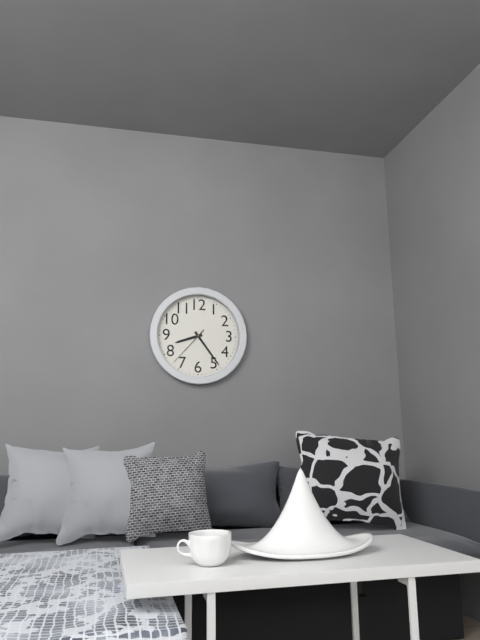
8.24
